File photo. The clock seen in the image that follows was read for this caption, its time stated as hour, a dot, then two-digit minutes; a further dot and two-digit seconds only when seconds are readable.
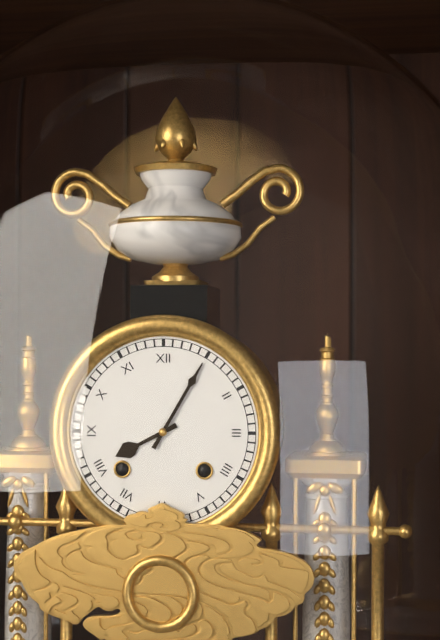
8.05
